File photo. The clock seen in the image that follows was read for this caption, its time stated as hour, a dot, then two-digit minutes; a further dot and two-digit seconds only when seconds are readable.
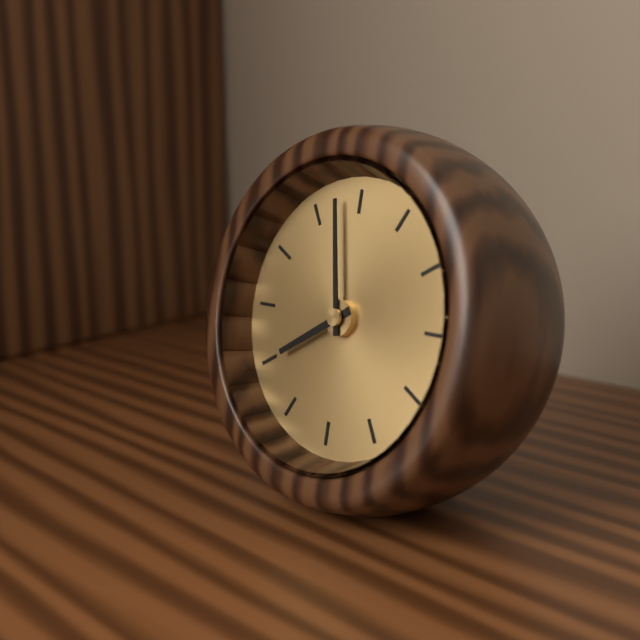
7.58
